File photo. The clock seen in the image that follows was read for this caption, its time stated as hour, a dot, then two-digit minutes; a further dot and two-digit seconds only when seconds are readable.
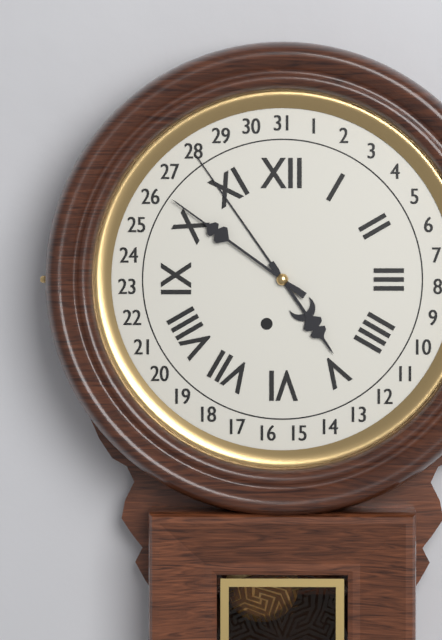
4.51
